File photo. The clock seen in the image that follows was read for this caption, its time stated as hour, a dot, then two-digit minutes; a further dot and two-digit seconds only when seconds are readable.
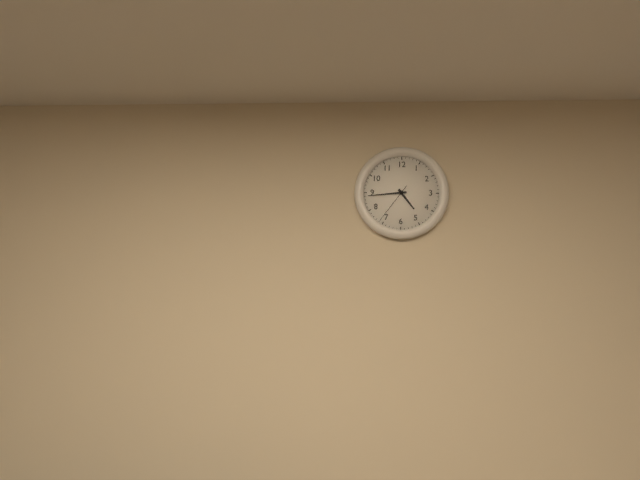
4.44
